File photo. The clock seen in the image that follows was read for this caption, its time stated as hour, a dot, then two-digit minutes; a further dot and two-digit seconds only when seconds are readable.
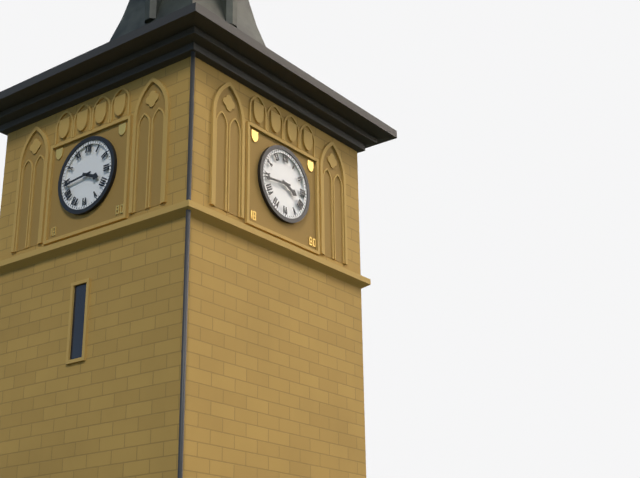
3.44
